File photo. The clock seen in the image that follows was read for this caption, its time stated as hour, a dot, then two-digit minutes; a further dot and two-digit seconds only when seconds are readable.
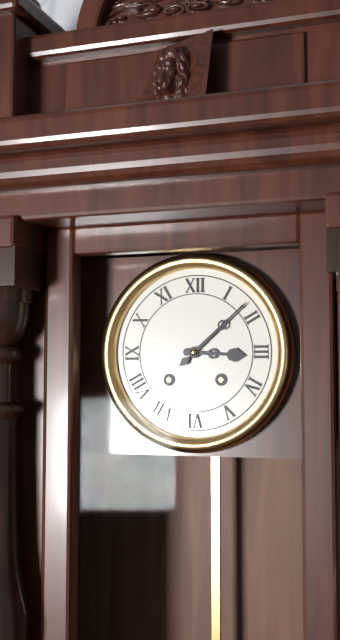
3.08
